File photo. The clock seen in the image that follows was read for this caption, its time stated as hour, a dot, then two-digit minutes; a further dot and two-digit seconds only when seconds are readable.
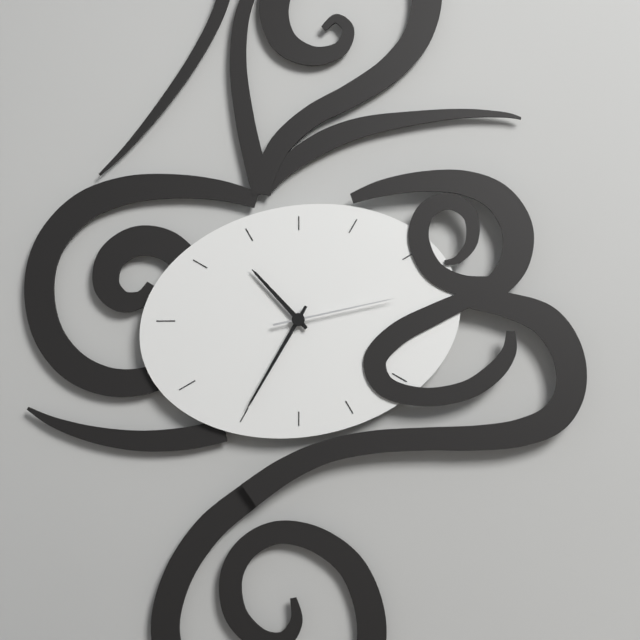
10.35.13
